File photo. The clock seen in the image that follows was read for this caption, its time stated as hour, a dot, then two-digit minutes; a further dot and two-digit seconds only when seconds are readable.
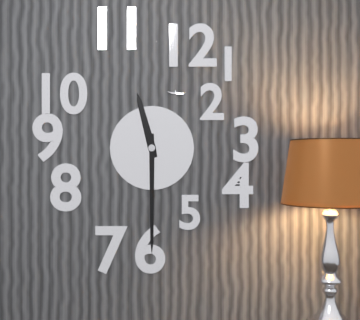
11.30
